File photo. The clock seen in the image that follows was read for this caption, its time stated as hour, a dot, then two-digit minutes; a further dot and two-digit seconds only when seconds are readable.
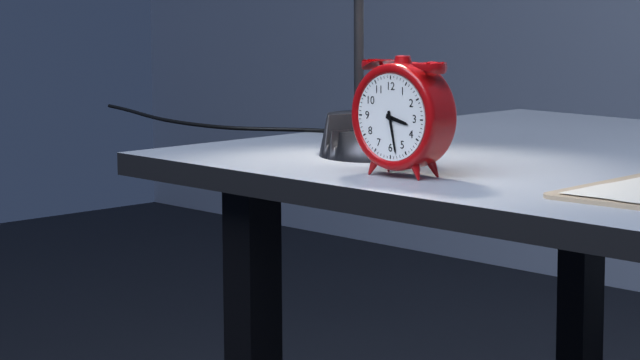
3.28
